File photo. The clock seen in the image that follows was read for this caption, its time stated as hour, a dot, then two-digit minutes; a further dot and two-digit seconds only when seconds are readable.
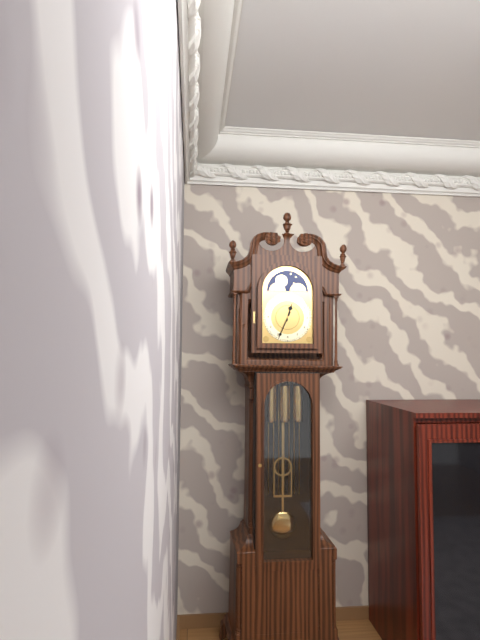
12.34
